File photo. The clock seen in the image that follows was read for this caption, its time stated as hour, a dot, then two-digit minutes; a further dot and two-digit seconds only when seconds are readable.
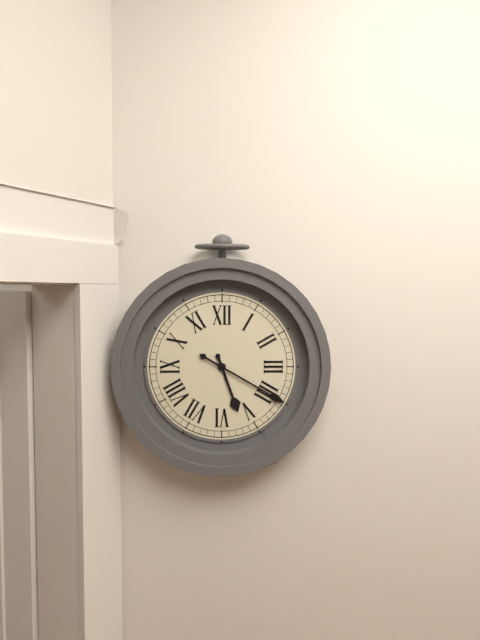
5.20
